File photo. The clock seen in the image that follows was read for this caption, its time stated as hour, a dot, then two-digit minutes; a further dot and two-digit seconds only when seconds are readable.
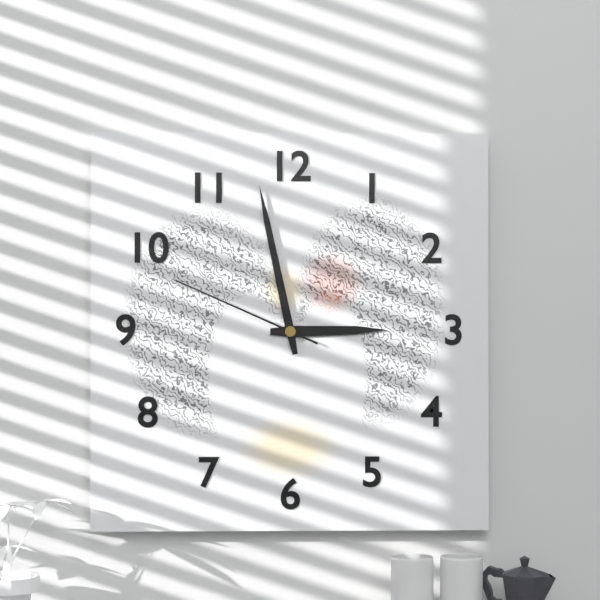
2.58.49
